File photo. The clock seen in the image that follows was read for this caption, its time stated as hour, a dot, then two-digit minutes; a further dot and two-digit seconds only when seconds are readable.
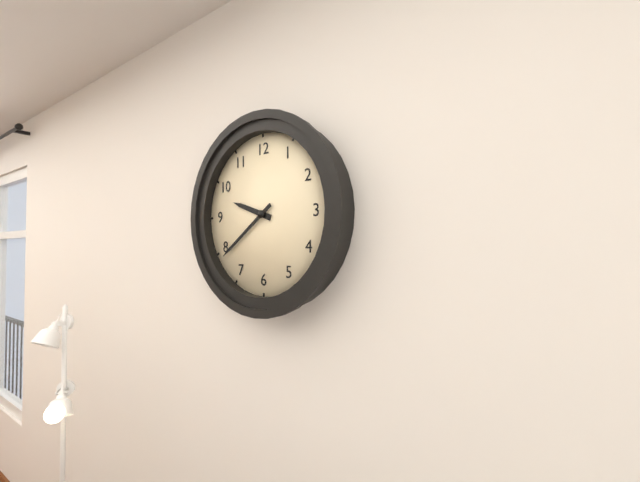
9.39
